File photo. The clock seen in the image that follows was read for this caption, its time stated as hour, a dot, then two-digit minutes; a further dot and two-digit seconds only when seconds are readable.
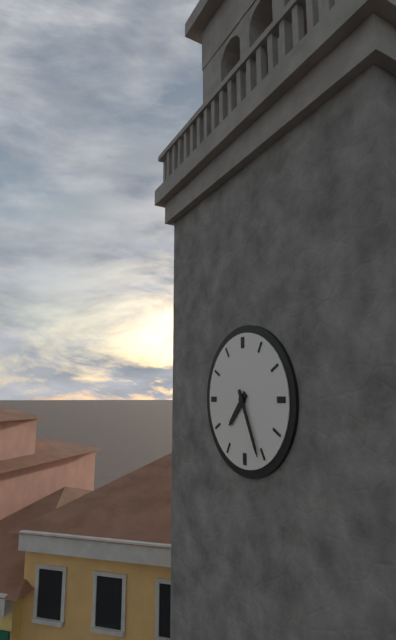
7.26
